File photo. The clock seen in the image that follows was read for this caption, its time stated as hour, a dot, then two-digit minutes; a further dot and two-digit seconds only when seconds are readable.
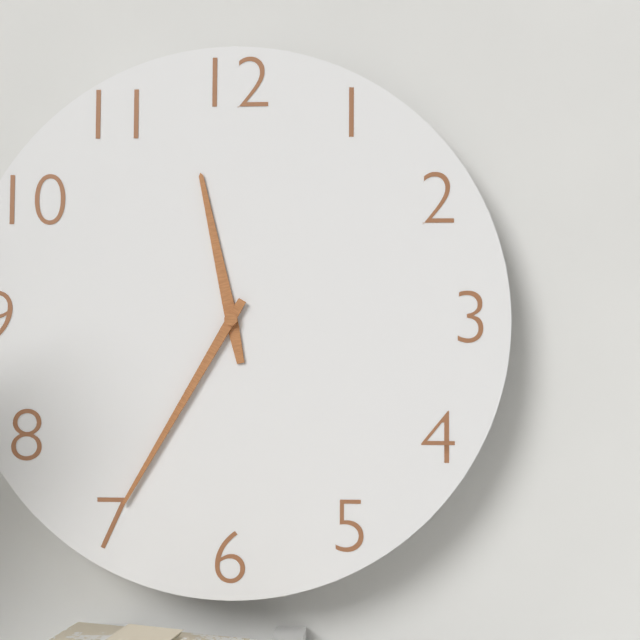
11.35
